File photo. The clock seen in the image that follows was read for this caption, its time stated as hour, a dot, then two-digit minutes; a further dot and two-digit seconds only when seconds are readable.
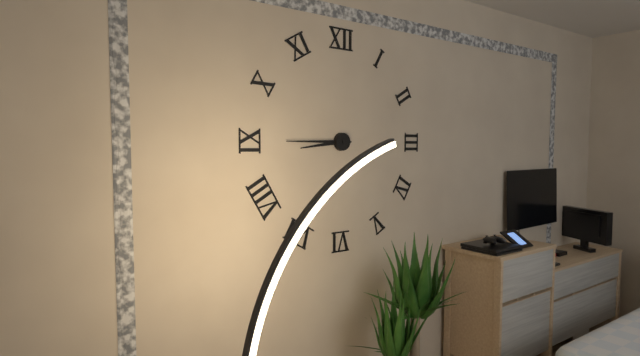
8.45
